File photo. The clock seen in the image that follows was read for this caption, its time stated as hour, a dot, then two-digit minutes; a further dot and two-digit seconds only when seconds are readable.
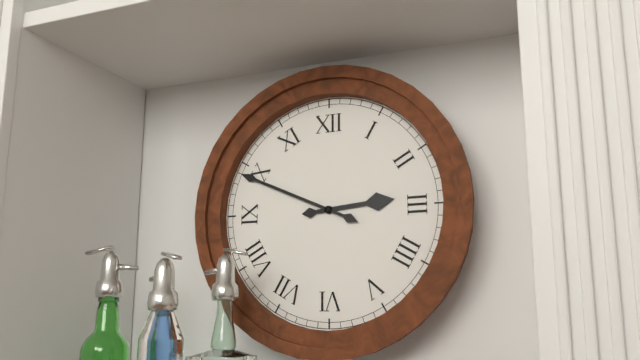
2.49
